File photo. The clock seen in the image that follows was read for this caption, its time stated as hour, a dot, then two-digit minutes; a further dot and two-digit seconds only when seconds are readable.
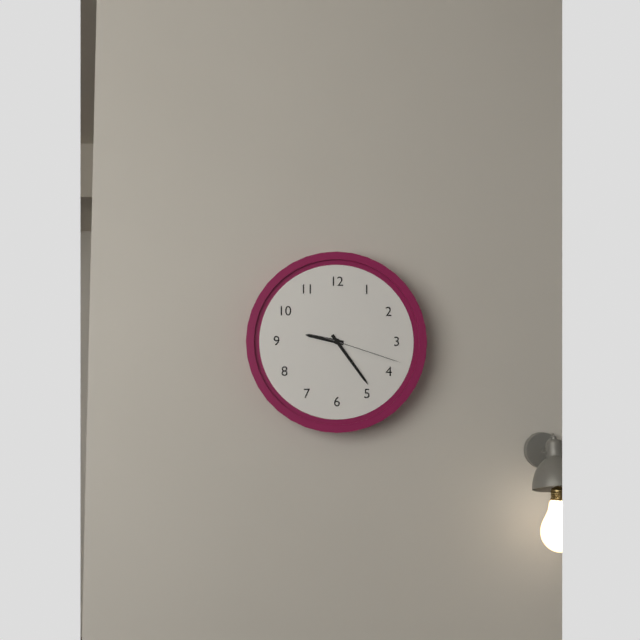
9.24.18
